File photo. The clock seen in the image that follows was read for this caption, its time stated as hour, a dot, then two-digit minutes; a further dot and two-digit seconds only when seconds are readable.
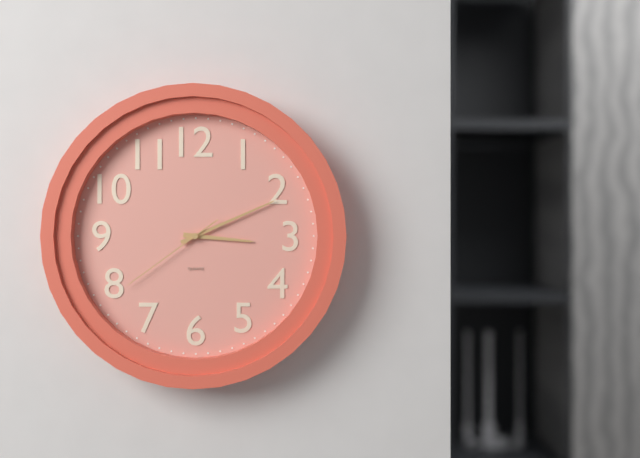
3.11.39
